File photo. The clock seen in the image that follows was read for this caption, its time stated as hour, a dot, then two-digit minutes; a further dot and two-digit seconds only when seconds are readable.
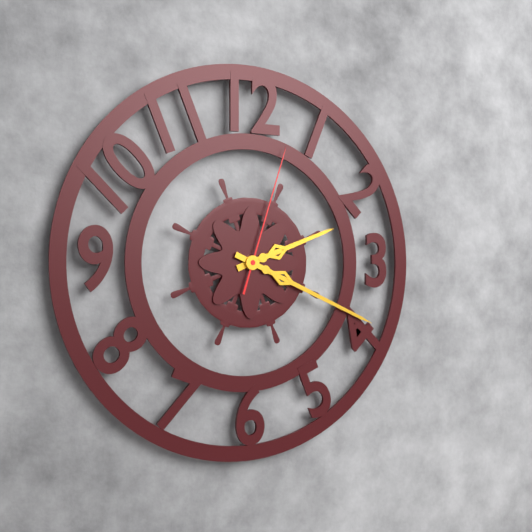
2.19.03
